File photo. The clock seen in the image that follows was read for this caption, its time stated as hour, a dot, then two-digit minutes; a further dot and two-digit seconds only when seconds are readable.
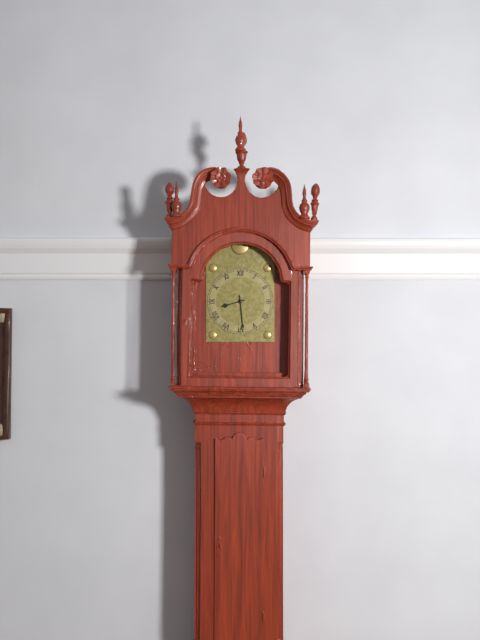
8.29
